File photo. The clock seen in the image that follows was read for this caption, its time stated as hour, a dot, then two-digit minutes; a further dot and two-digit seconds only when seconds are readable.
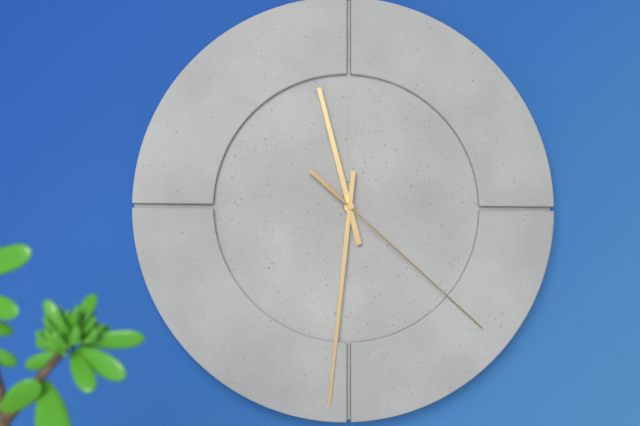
11.31.22
